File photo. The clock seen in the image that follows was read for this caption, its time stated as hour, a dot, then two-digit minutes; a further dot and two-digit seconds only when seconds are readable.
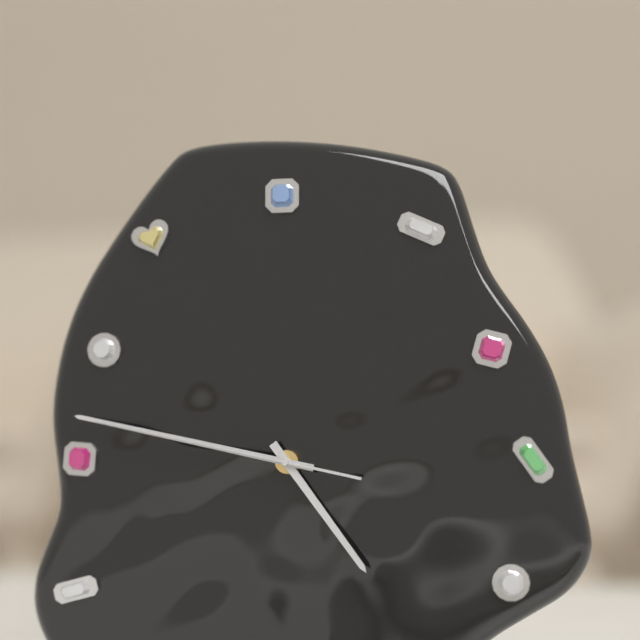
4.47.47
